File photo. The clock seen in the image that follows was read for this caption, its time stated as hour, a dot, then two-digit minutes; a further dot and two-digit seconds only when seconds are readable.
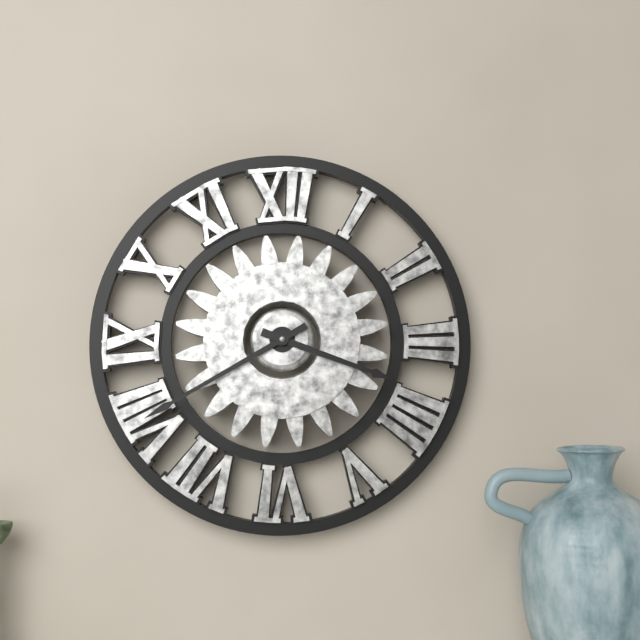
3.40
